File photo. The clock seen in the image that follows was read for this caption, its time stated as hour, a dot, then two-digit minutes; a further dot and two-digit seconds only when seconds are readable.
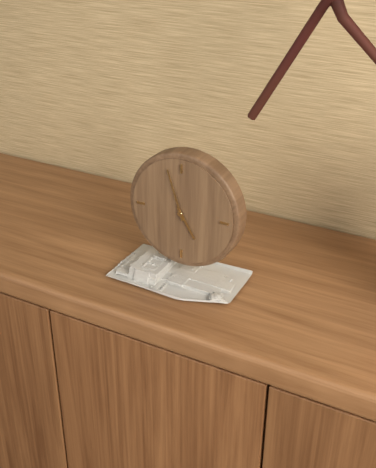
4.57
